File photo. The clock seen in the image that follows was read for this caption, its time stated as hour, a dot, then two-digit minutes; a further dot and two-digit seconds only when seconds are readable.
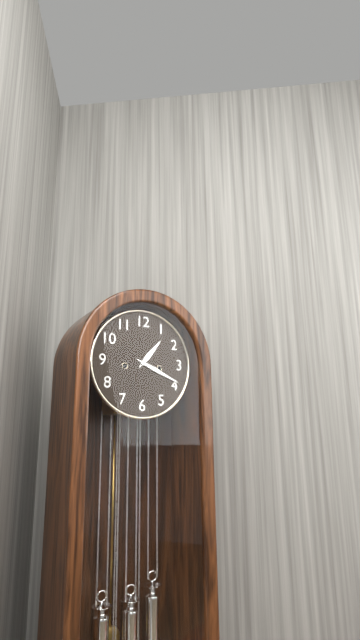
1.19
